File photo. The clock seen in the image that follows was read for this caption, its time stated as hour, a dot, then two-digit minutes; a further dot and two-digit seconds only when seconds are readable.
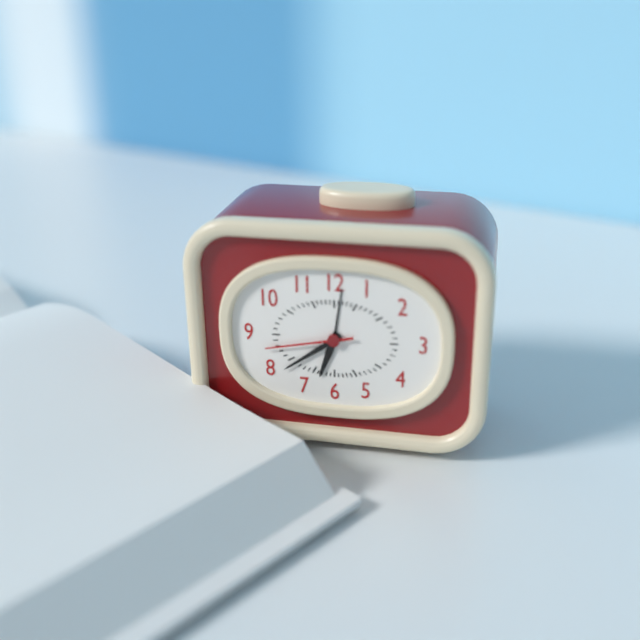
6.39.43
